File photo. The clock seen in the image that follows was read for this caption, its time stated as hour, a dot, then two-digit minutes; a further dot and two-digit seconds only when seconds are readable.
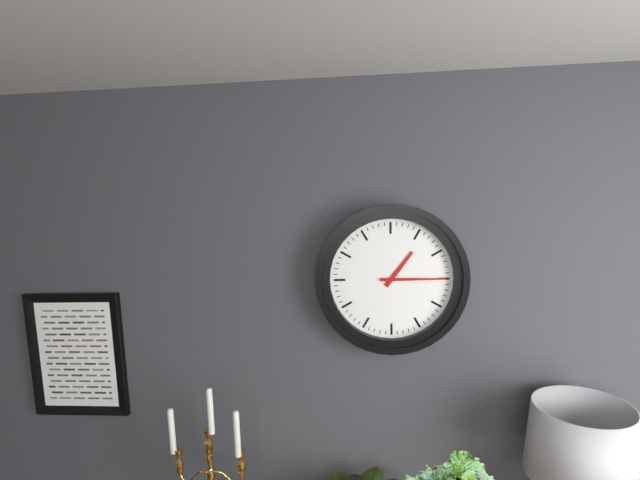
1.15
